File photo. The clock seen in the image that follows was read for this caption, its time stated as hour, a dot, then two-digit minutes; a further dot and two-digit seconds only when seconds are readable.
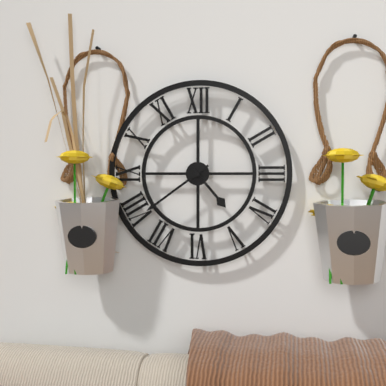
4.39
